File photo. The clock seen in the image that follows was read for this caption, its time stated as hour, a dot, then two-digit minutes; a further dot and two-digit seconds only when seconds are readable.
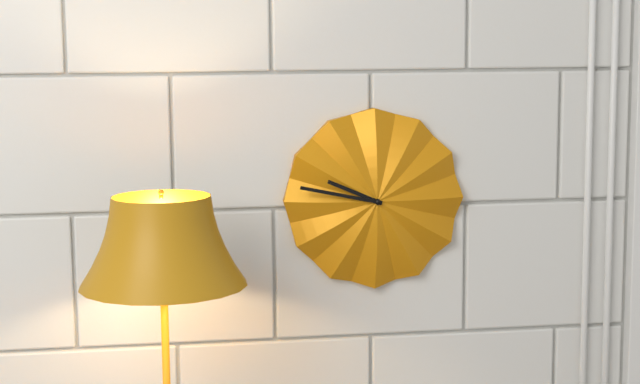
9.47
